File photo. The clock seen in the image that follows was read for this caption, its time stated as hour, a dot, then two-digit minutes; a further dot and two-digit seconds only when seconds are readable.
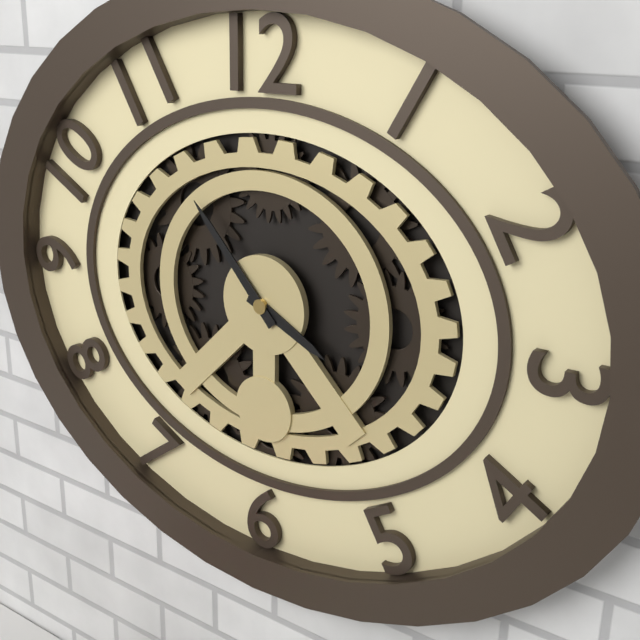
3.53
